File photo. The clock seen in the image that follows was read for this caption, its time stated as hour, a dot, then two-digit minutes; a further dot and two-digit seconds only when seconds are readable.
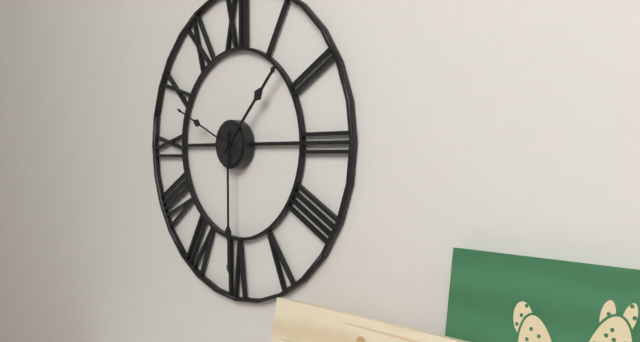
1.30.49
